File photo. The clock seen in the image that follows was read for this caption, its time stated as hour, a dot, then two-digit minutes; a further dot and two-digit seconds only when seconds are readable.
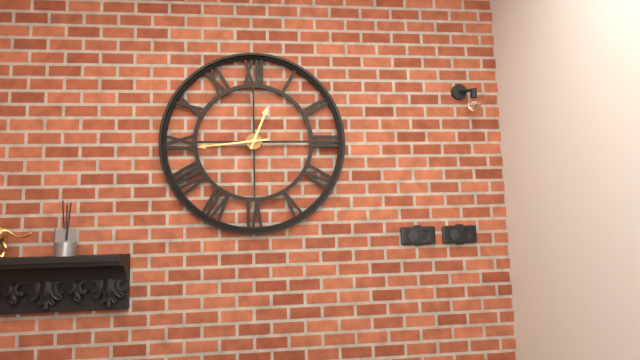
12.44
